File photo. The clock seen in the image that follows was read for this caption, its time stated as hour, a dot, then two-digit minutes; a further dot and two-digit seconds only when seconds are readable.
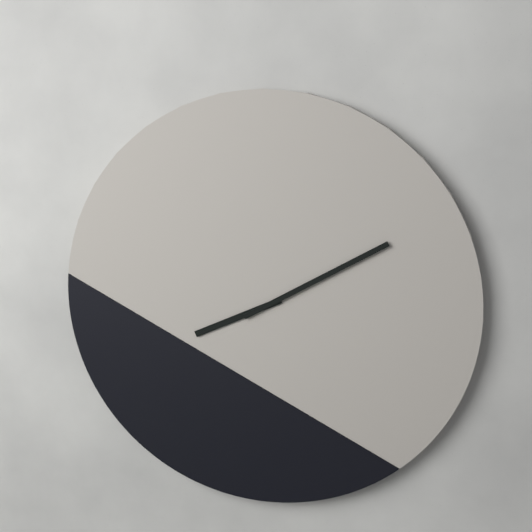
8.10
